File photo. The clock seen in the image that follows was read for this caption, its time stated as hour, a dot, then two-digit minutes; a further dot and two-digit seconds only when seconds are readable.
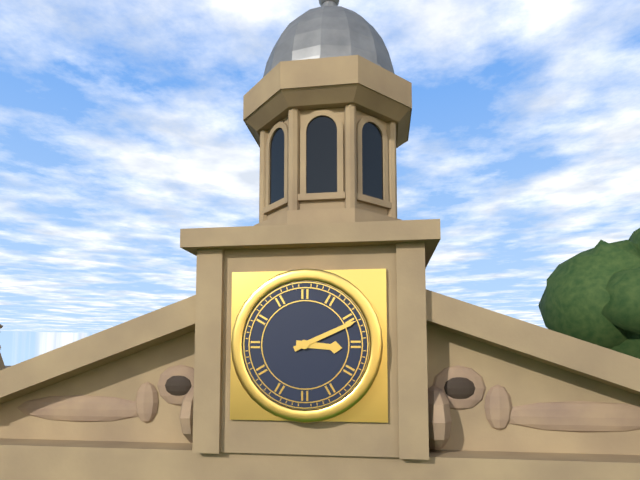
3.11
